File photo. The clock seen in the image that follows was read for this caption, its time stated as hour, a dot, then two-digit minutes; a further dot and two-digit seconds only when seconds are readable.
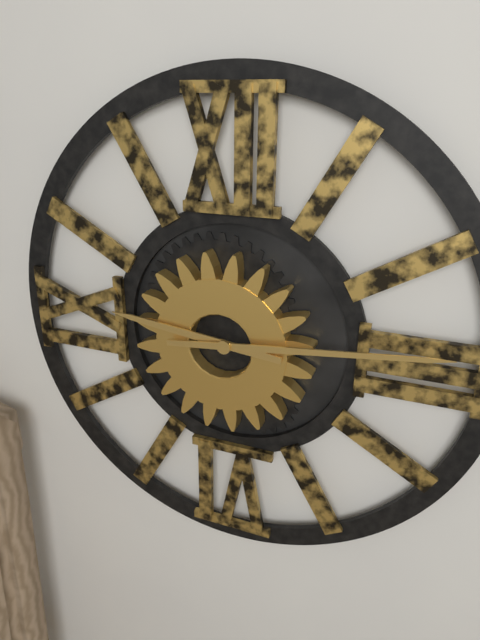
9.14
